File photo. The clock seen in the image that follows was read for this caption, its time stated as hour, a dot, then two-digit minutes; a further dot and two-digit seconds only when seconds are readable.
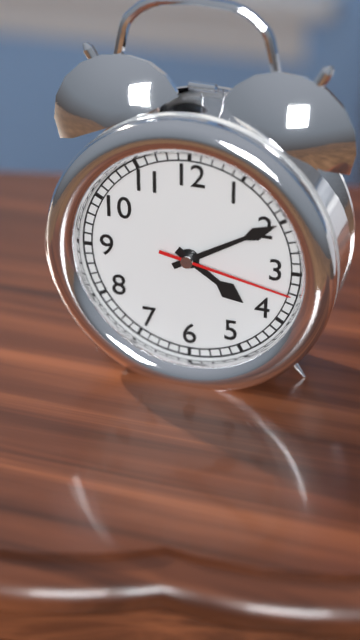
4.10.17
